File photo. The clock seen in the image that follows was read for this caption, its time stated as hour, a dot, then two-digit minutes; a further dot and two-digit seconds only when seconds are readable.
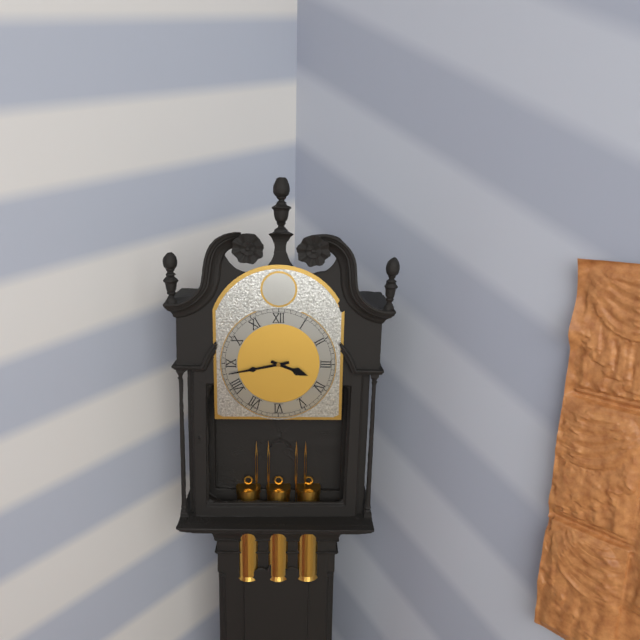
3.43
